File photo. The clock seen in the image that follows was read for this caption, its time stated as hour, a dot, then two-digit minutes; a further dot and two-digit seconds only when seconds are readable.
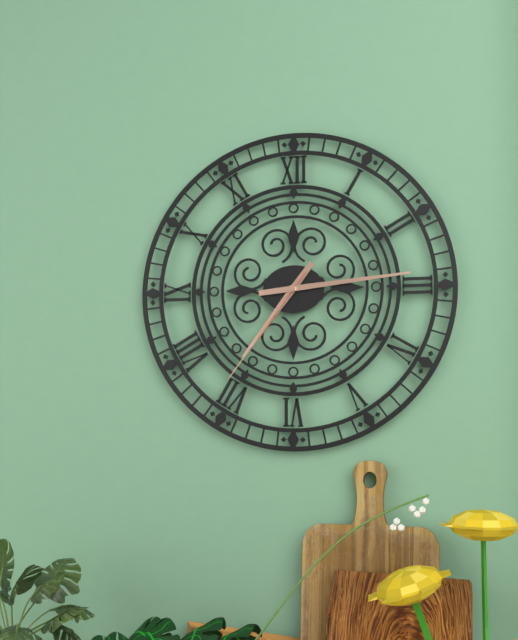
7.14.36
